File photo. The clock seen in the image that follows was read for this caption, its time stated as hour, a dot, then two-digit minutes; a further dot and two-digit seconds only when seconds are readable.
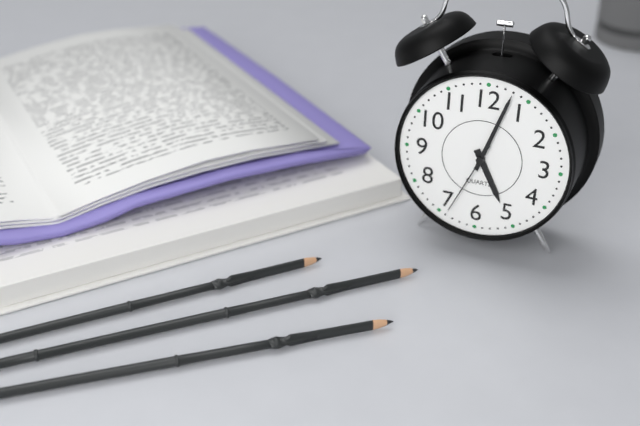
5.03.34
